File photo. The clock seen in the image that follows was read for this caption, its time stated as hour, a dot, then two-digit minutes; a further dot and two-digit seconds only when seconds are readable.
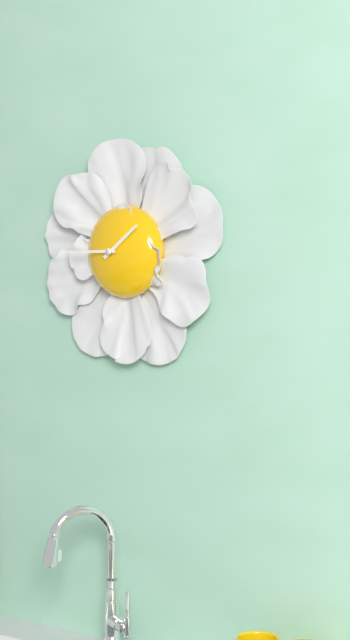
1.45
